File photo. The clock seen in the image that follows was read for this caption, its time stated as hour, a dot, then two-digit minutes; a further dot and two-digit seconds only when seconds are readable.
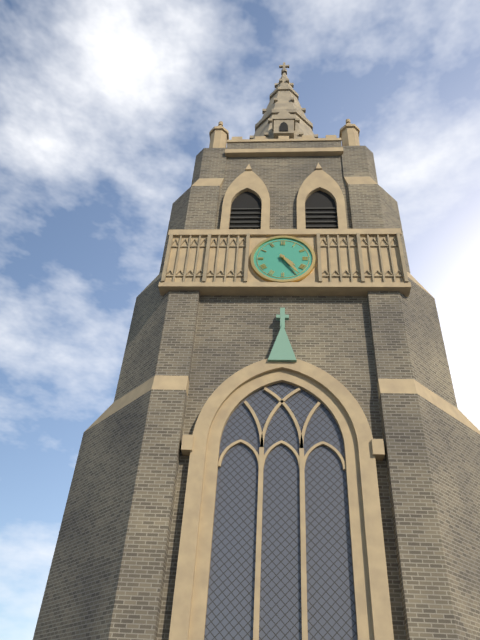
4.24
